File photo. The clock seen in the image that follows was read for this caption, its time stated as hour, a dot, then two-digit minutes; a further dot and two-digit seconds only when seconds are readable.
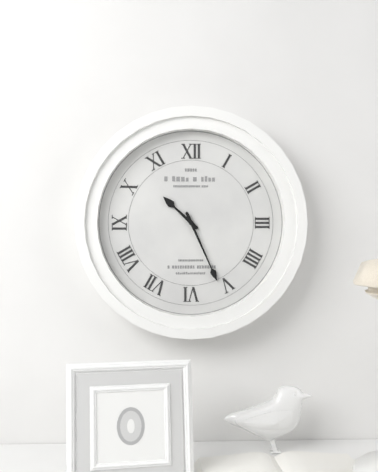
10.26
